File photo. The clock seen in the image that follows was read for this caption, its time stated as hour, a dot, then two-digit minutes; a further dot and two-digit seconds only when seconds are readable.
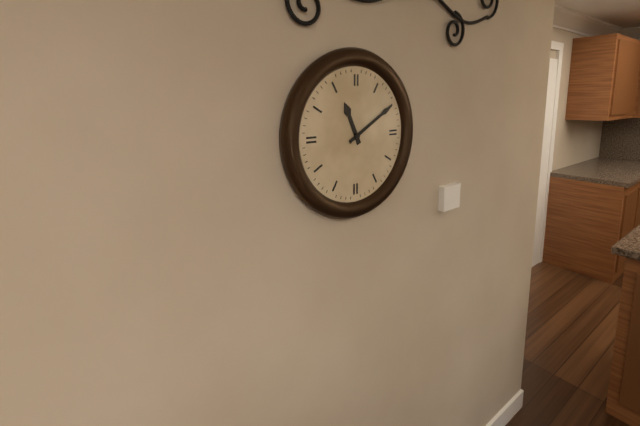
11.10
